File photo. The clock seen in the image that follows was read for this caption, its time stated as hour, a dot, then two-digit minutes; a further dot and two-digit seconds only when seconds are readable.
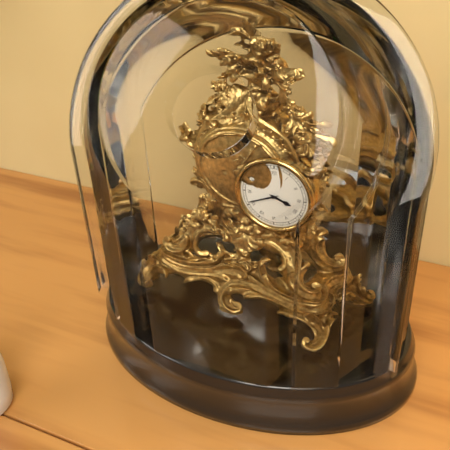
3.41
